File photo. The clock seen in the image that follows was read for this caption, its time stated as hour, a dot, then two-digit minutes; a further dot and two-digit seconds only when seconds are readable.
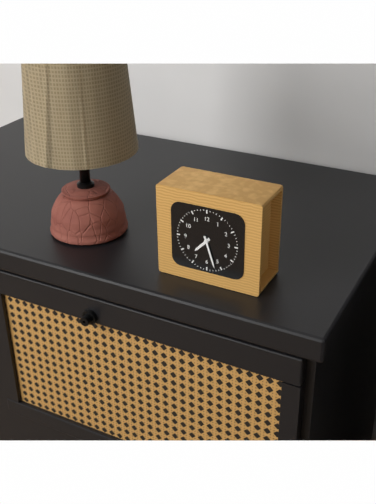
7.27
